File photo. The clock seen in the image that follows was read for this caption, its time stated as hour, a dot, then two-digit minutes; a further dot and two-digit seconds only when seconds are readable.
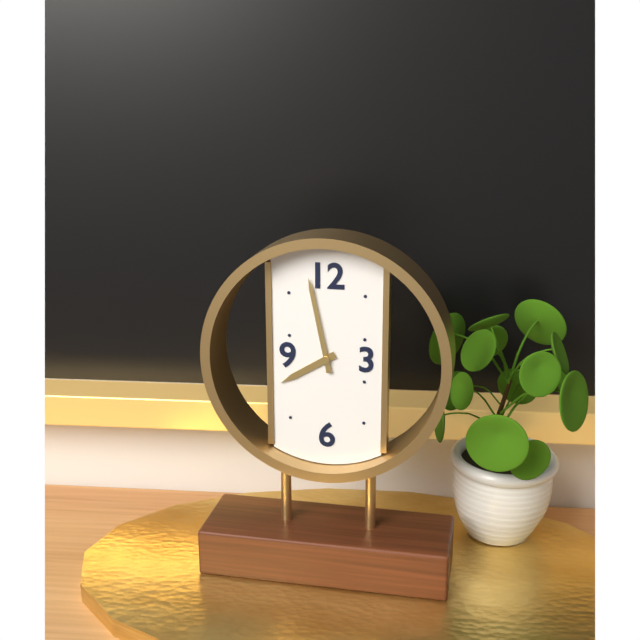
7.58
